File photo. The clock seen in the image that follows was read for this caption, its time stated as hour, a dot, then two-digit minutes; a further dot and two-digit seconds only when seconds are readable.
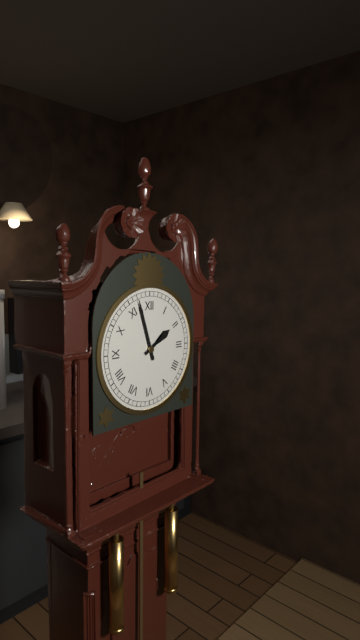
1.57
